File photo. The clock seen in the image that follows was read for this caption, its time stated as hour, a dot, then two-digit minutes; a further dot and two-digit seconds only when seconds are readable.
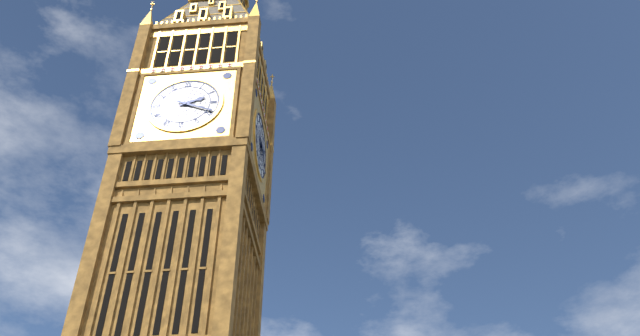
2.19
